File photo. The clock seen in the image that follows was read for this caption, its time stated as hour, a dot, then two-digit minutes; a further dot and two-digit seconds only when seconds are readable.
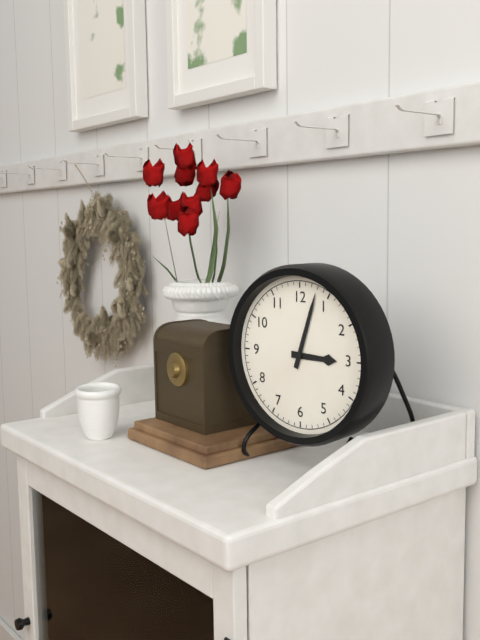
3.03
